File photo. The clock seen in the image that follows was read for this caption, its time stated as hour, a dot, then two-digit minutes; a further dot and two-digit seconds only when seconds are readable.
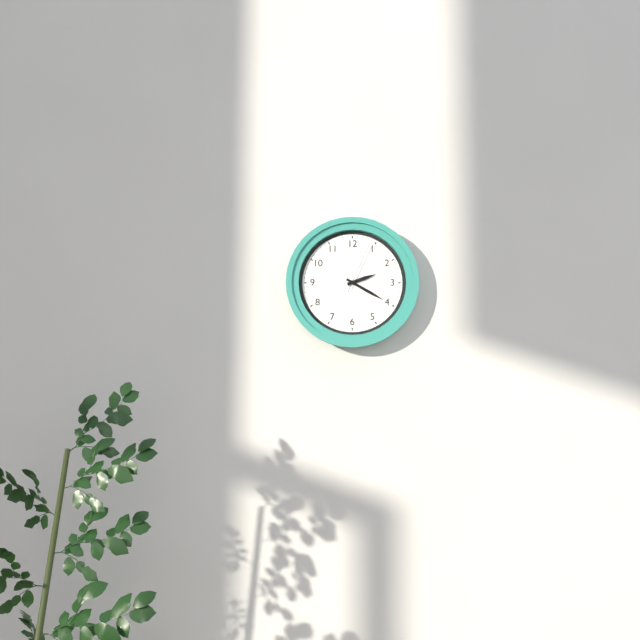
2.20.04
